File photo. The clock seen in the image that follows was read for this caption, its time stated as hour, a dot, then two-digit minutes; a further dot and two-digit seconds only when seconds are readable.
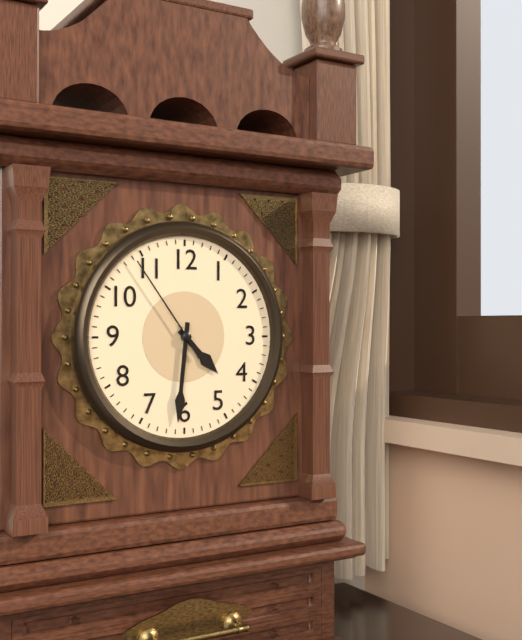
4.31.54
